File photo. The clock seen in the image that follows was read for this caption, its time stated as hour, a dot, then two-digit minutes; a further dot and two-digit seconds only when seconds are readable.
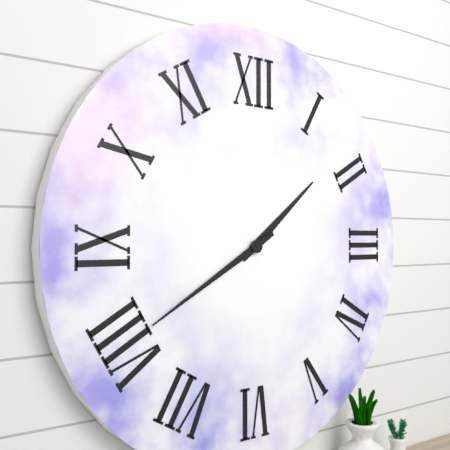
1.40
